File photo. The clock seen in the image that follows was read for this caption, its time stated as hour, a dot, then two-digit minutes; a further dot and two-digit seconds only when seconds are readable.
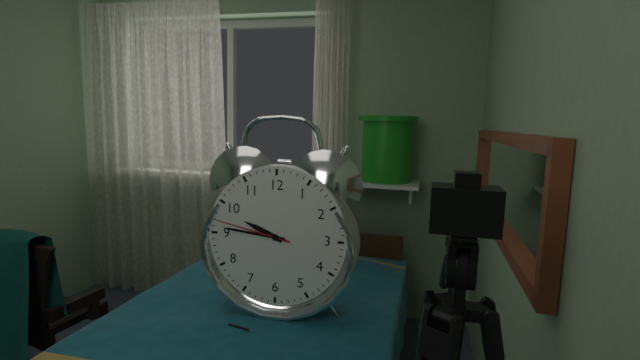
9.46.47
